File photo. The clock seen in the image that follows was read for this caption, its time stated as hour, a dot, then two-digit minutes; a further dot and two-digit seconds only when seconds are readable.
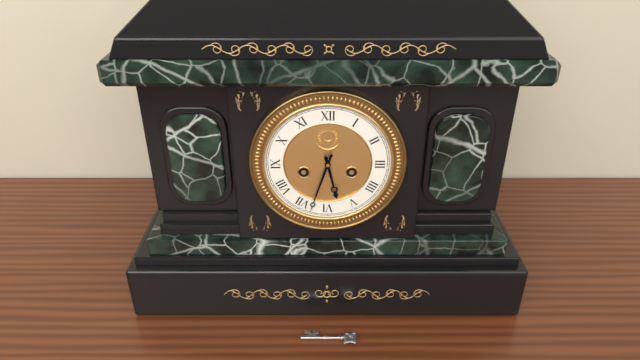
5.33
